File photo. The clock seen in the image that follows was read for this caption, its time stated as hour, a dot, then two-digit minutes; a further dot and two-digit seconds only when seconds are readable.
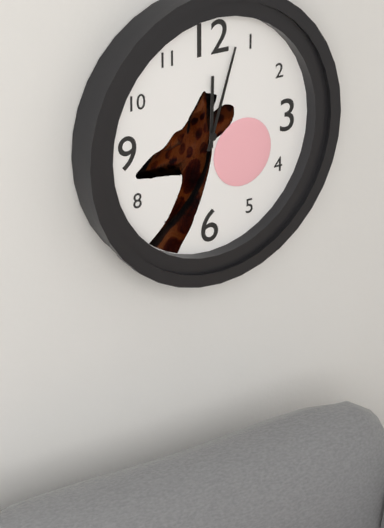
12.03
